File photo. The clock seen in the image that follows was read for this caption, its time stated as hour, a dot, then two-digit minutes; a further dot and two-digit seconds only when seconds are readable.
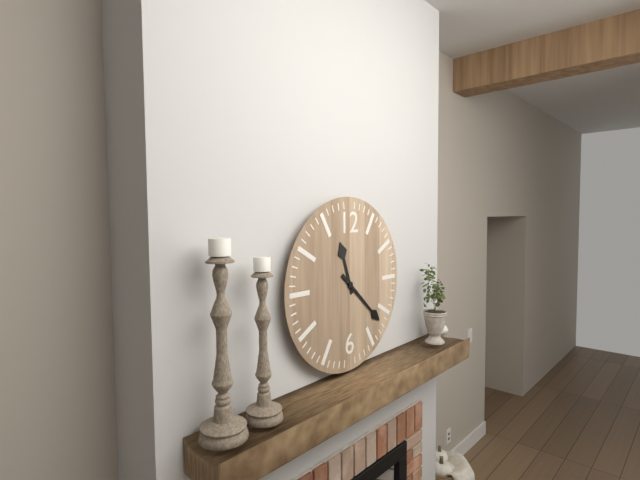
11.22
